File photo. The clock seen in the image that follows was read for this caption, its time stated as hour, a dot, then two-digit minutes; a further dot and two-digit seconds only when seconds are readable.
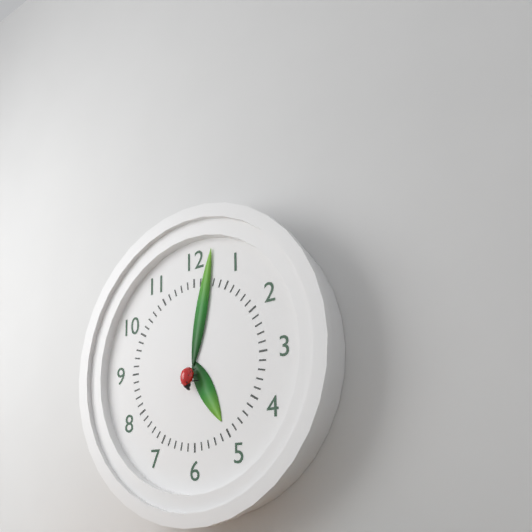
5.02
